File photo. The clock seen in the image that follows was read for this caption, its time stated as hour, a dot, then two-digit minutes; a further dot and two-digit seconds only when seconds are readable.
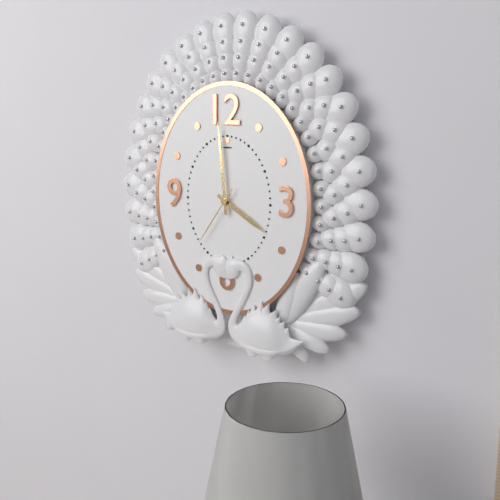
3.59.36
